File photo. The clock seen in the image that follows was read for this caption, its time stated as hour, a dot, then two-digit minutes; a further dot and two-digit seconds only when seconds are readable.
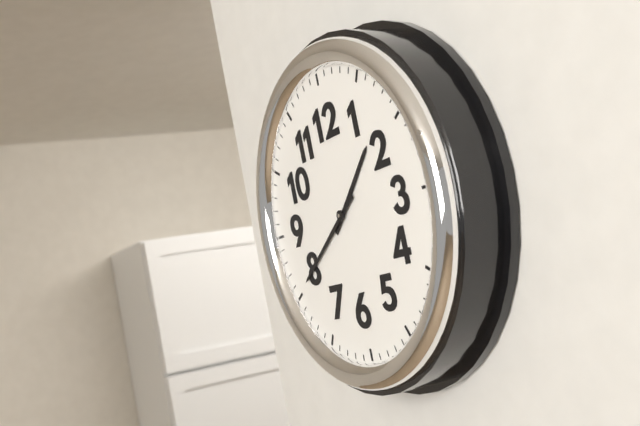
1.40
